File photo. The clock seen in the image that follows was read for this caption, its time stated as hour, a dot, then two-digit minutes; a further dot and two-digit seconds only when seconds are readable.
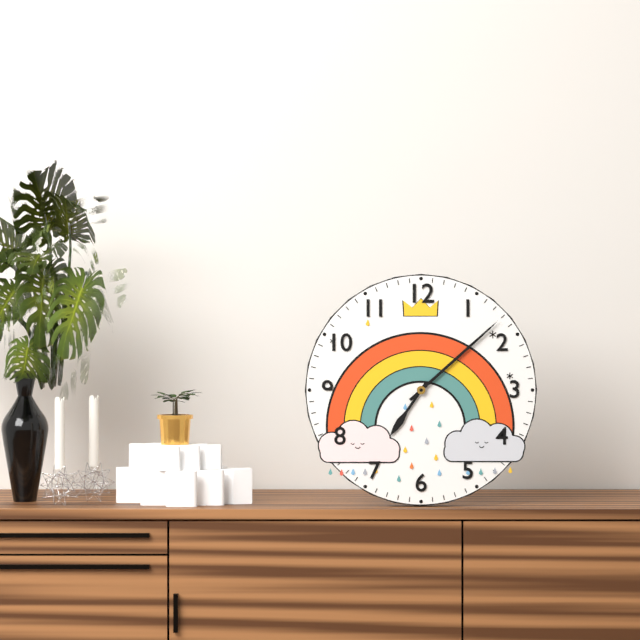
7.08
